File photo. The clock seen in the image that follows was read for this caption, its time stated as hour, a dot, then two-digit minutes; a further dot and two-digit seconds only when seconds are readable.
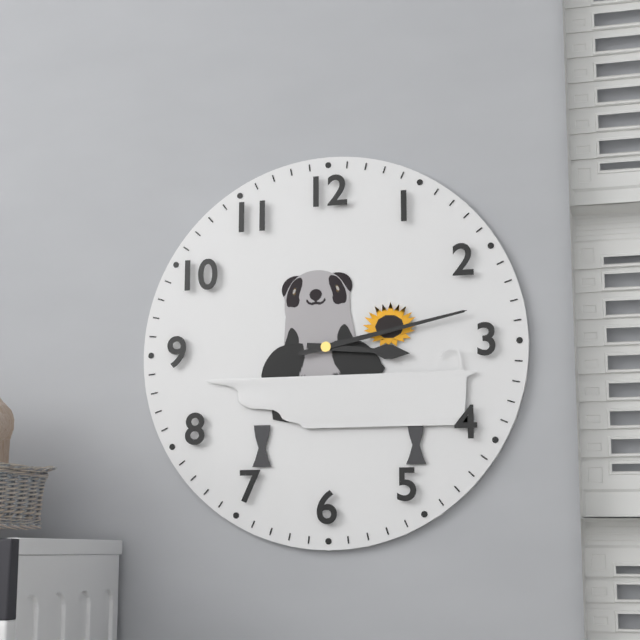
3.13
